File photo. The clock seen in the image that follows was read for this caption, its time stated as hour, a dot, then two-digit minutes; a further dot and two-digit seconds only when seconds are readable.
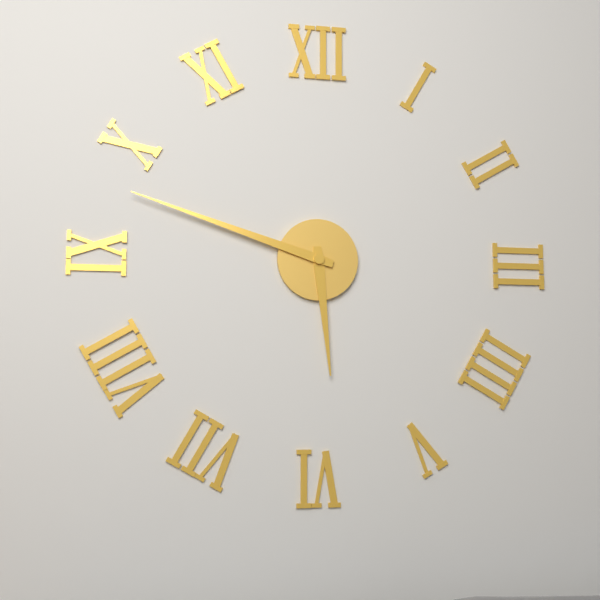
5.48
